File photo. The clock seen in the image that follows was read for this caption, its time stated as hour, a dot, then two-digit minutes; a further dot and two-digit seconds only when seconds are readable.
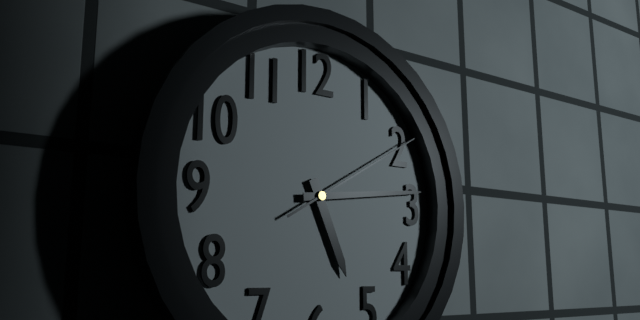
5.14.10
